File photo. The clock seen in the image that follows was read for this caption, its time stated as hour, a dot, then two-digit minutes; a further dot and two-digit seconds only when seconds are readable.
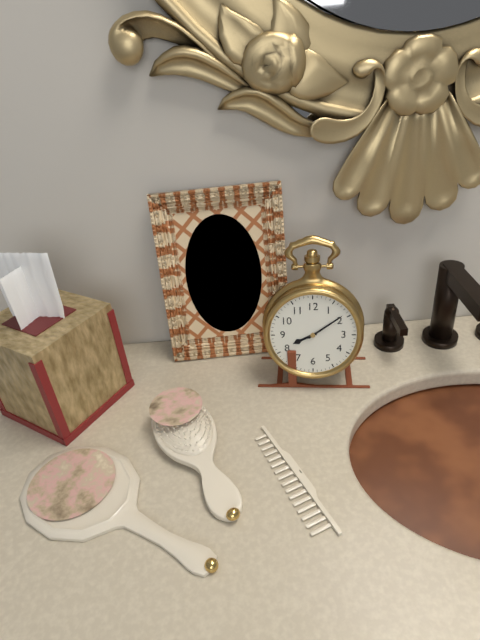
8.09
